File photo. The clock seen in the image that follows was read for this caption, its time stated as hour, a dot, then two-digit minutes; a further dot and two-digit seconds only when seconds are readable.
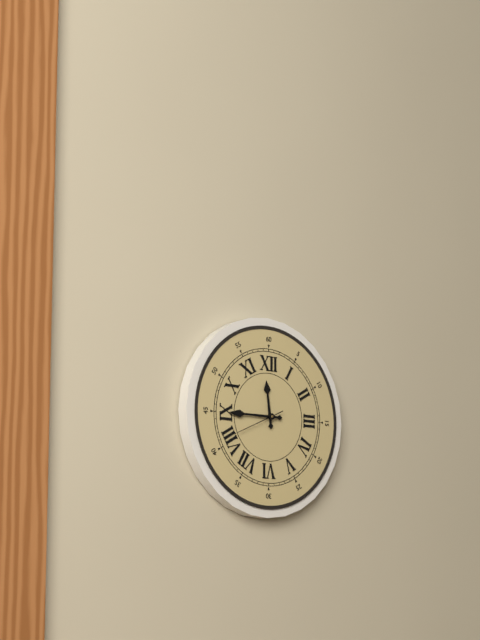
11.45.41
